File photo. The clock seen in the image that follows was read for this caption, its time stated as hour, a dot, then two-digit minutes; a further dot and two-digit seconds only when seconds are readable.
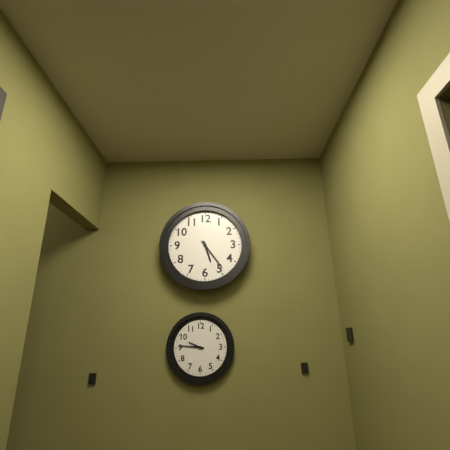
5.24
